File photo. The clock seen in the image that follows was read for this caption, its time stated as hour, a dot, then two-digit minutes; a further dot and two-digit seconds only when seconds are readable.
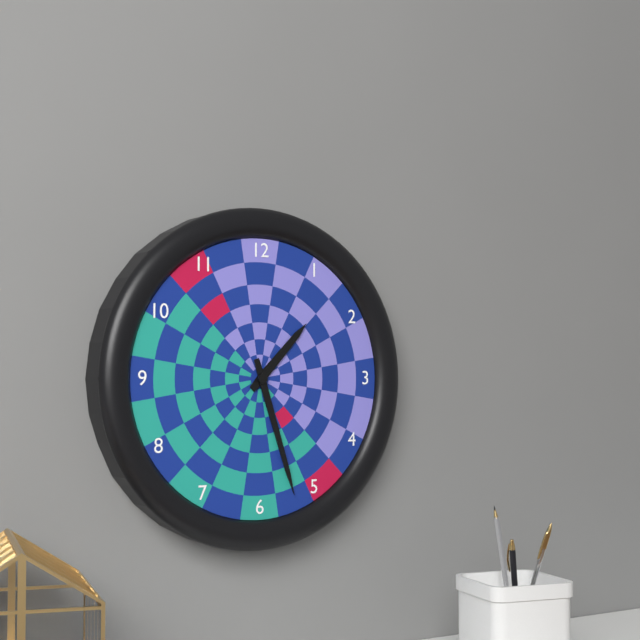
1.27
